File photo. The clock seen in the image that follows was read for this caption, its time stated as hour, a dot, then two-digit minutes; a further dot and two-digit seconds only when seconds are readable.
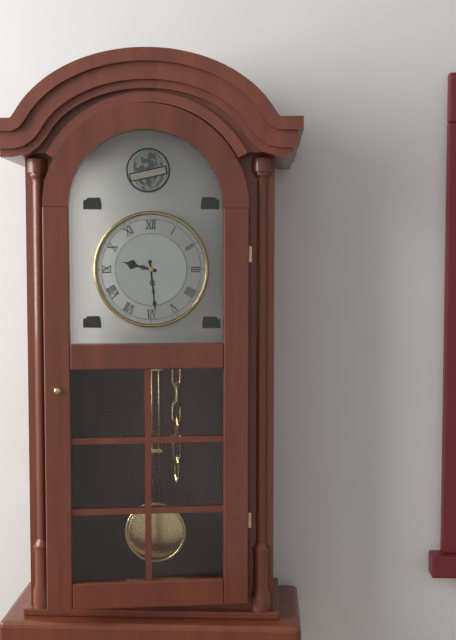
9.29
